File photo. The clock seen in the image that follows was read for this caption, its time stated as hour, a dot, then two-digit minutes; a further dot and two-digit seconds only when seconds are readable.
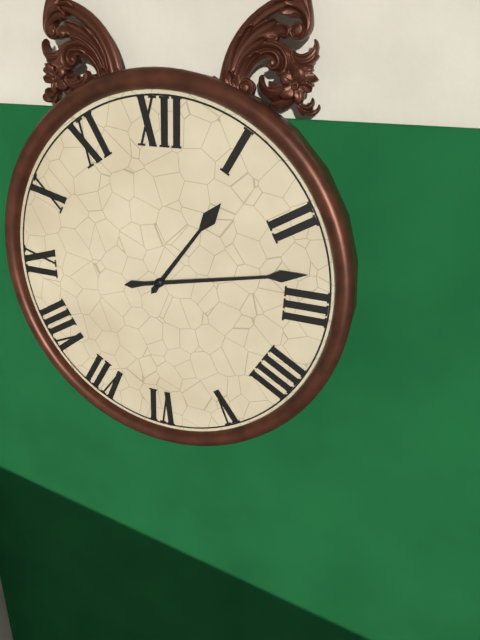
1.13
